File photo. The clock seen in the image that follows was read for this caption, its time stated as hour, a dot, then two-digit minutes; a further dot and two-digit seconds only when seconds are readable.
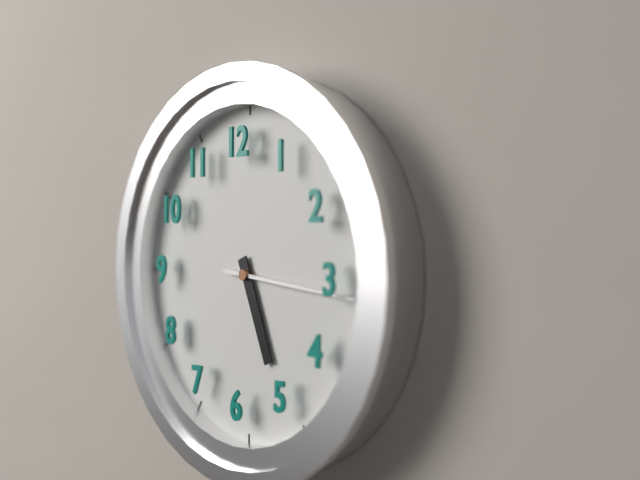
5.16
